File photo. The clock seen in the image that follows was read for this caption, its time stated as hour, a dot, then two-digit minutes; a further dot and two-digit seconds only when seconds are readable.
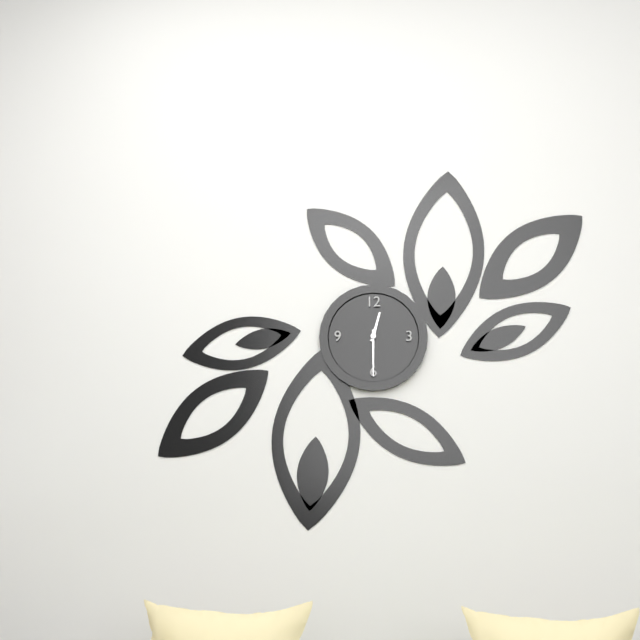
12.30
